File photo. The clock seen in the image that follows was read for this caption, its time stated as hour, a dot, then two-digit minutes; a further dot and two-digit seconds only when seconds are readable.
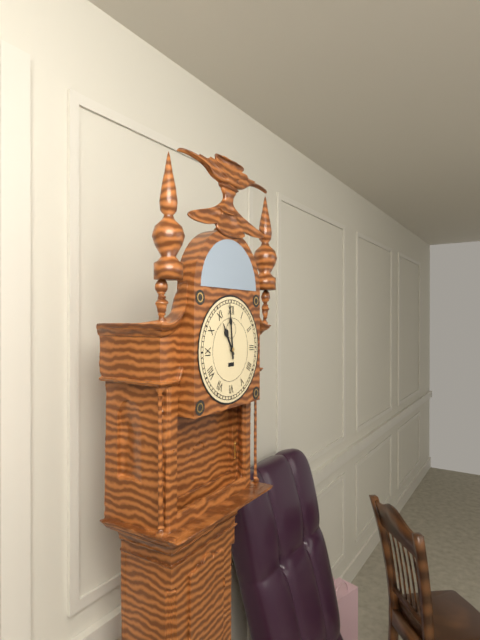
10.59
